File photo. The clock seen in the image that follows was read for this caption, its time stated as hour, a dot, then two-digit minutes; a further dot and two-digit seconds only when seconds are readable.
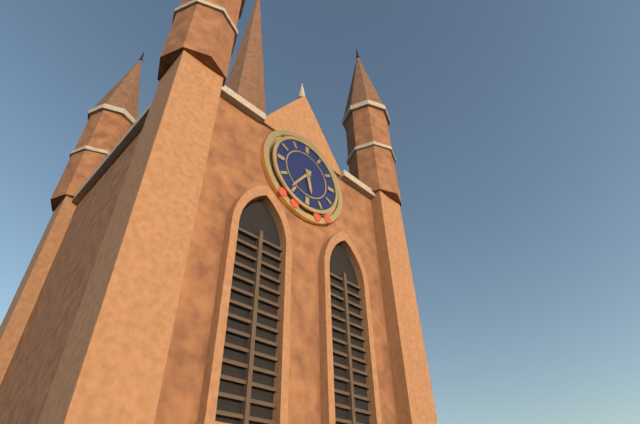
5.36
